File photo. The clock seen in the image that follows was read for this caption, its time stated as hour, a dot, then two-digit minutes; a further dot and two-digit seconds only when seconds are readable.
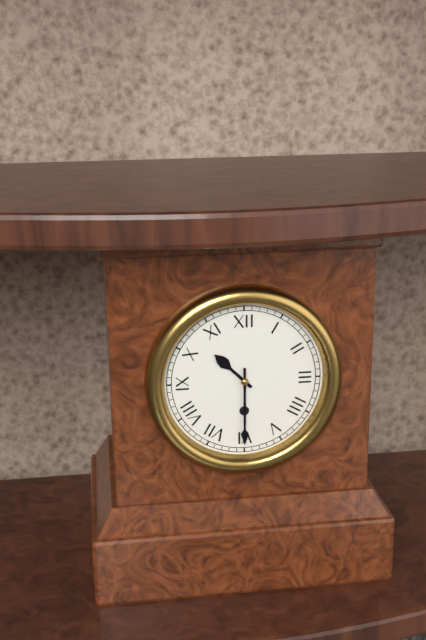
10.30
